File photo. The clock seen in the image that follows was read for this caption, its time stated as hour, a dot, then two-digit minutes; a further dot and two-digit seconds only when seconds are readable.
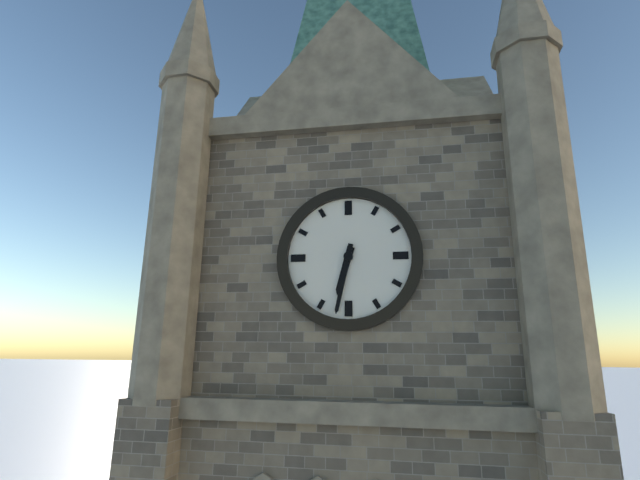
6.32
